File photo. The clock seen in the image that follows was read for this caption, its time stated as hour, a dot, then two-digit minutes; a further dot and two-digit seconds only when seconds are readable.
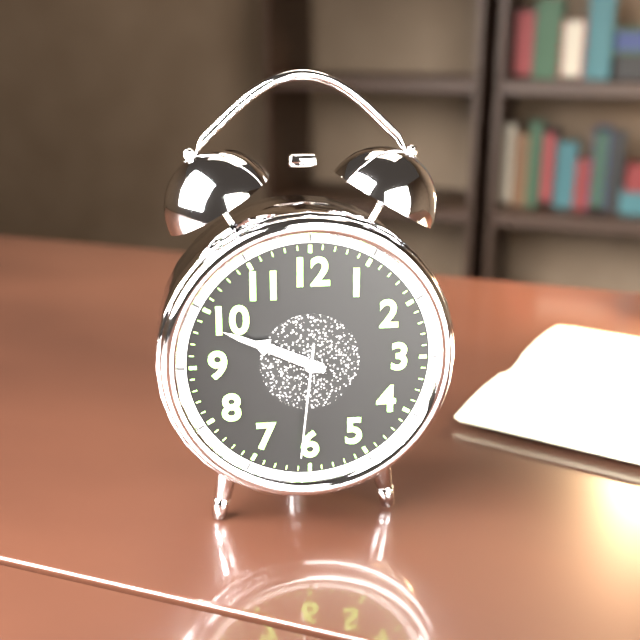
9.49.31
